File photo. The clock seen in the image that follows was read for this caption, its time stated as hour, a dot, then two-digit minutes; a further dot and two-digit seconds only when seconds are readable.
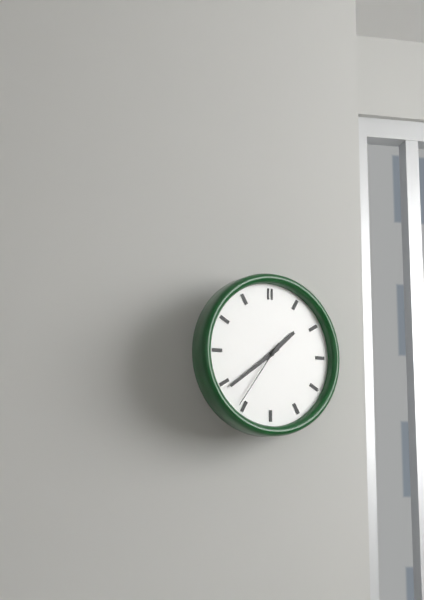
1.39.36
